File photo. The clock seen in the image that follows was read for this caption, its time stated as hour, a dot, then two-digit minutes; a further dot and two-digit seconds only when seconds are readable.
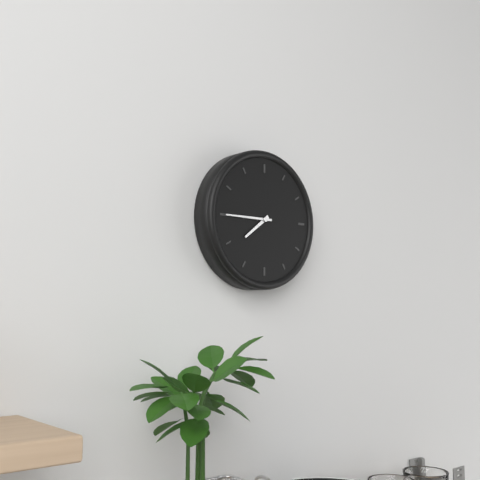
7.45
